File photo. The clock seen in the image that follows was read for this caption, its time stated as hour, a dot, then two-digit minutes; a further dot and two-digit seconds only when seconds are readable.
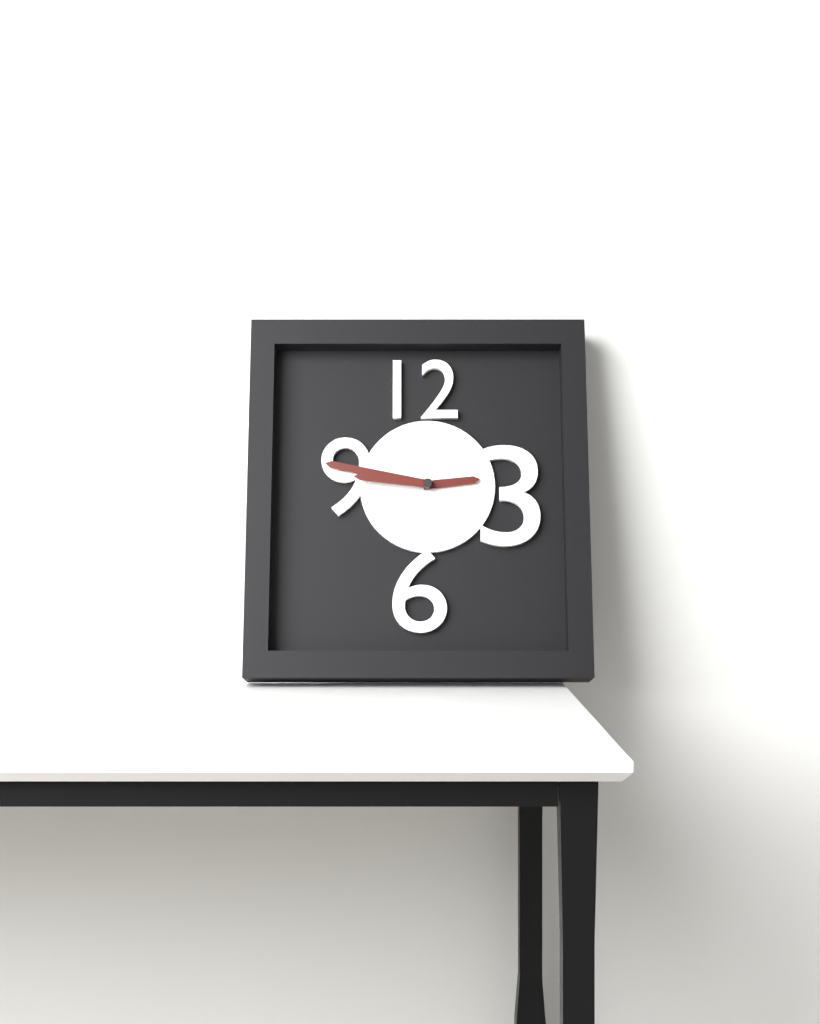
2.47.46
